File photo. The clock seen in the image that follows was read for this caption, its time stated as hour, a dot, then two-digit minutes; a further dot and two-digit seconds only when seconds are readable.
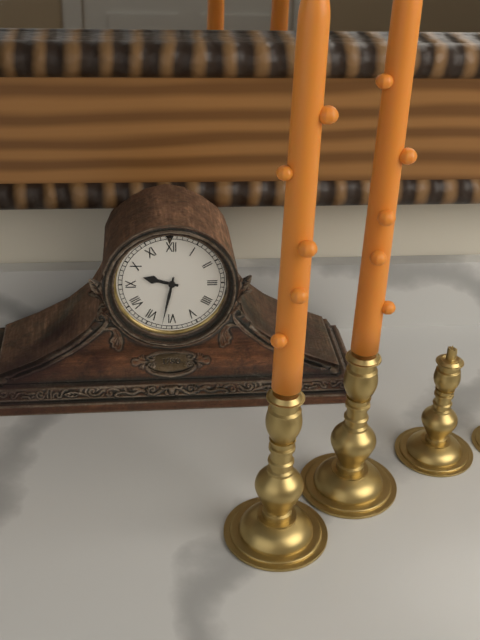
9.32
